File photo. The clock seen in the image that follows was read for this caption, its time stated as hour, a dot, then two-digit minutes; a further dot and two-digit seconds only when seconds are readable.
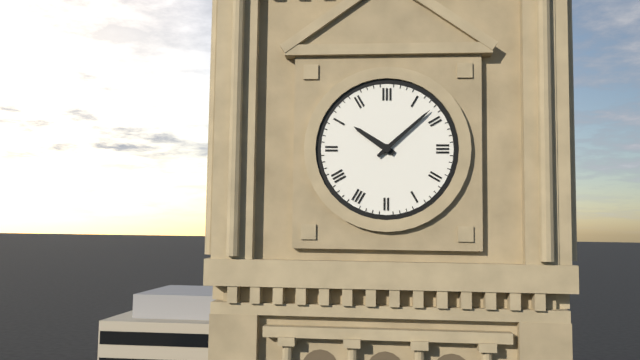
10.08
